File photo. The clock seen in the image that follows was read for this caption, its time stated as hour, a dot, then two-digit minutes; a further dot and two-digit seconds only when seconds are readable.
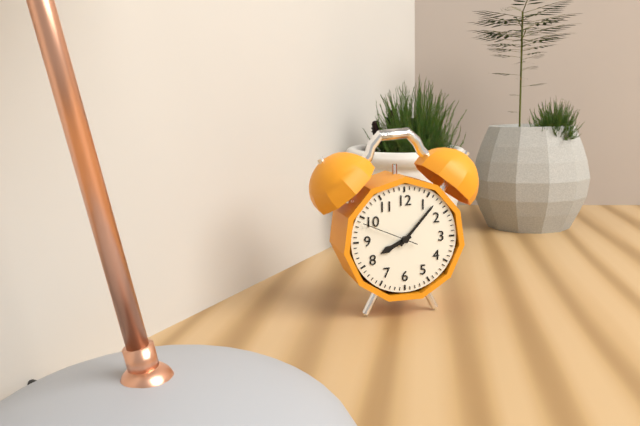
8.07.49
